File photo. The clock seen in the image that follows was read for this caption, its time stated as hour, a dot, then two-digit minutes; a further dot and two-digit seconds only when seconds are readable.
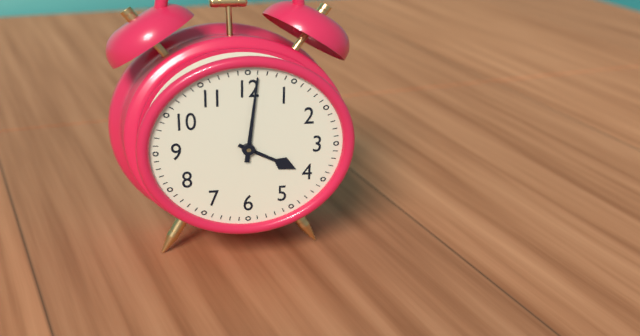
4.01
